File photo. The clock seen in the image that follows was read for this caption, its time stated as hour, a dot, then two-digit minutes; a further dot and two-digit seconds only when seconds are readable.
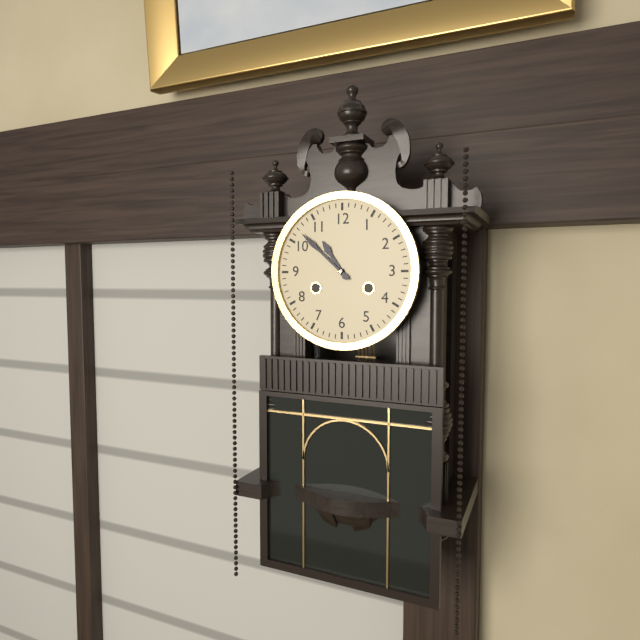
10.52
